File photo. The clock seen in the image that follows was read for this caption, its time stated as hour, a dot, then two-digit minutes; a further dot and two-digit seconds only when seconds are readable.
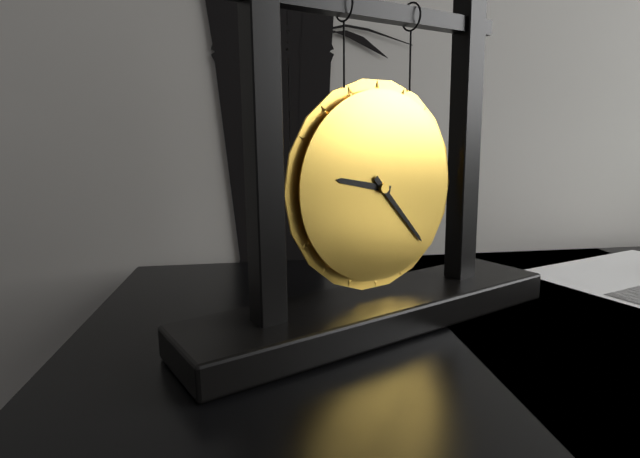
9.23
